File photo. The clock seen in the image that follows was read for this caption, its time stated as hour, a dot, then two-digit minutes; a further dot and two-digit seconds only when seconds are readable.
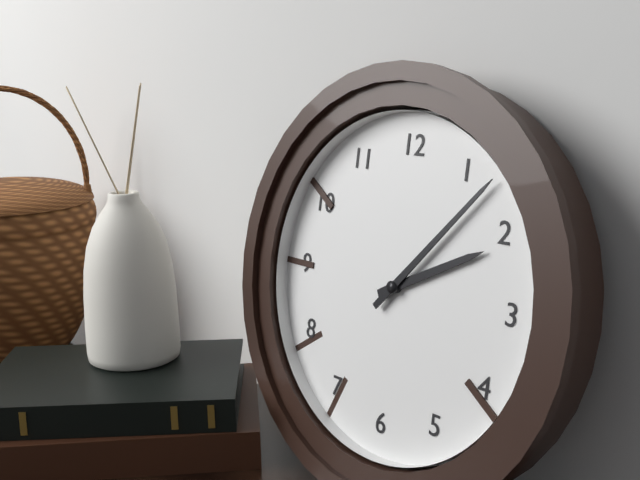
2.07
